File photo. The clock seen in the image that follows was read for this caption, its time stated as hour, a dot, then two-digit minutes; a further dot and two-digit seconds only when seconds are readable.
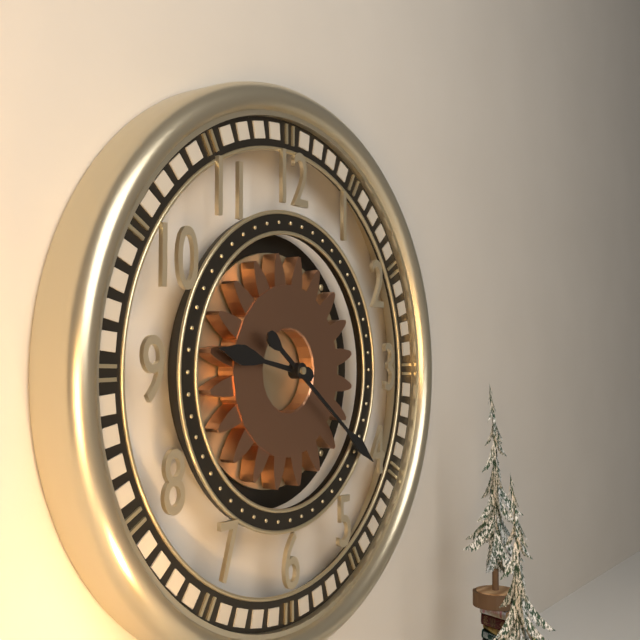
9.21
